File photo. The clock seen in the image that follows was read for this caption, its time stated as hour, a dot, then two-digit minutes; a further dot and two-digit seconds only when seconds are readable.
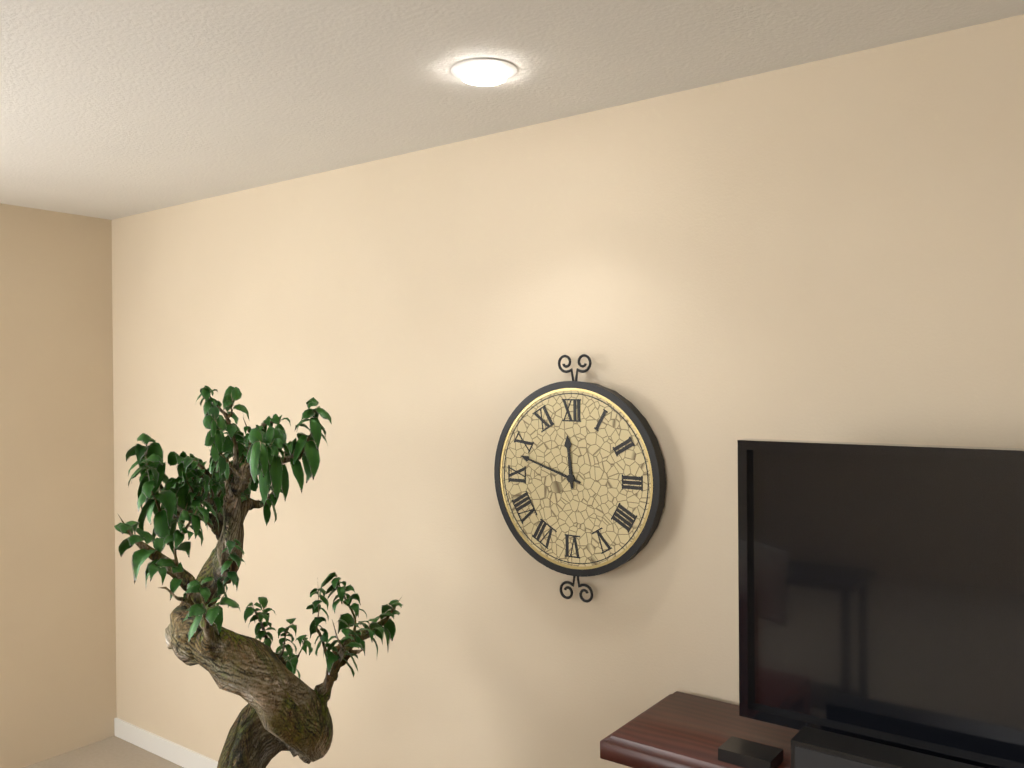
11.48
